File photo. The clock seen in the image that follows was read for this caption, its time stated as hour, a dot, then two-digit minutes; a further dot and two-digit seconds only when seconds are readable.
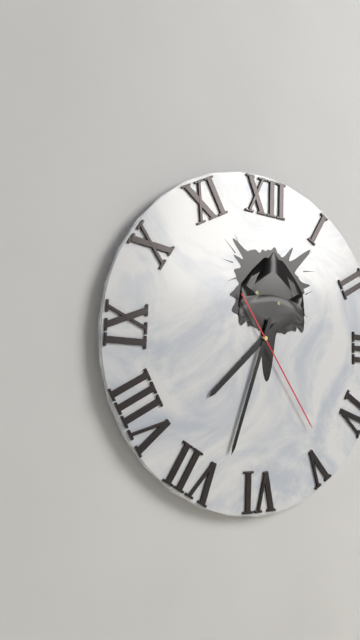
7.33.24
